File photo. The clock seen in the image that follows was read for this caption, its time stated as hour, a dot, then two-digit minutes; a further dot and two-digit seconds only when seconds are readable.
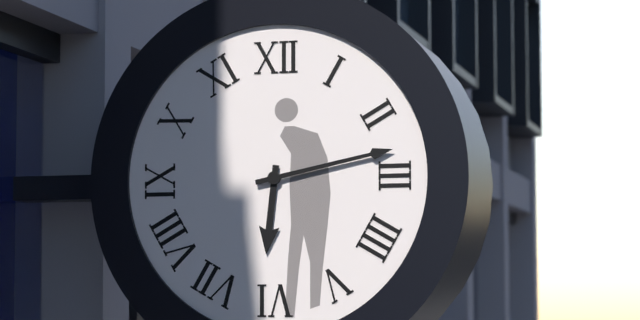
6.13
